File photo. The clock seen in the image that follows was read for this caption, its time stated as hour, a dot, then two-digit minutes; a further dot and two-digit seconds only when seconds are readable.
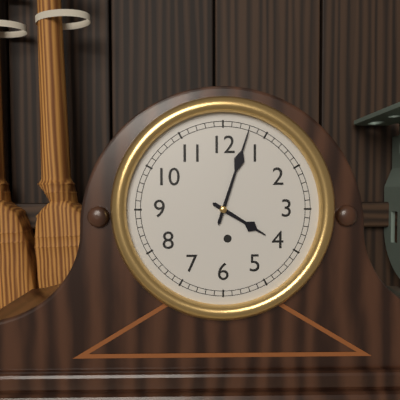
4.03
